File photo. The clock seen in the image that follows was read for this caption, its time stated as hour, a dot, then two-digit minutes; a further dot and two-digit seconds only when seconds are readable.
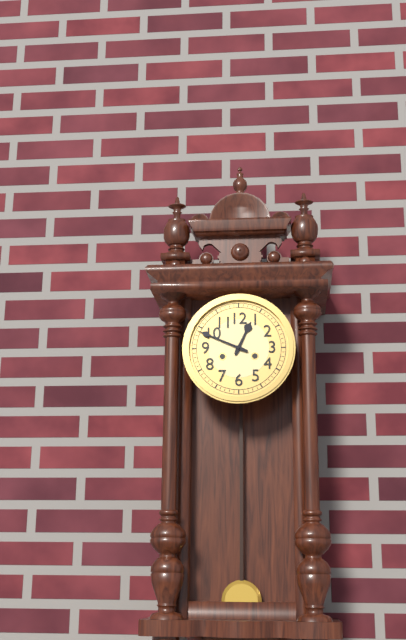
12.49
